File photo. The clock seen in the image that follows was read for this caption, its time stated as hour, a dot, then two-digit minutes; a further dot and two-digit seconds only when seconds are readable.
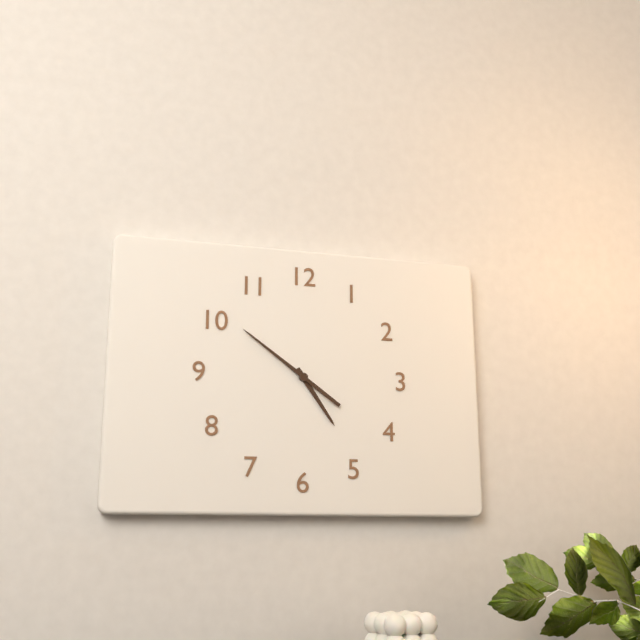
4.51
